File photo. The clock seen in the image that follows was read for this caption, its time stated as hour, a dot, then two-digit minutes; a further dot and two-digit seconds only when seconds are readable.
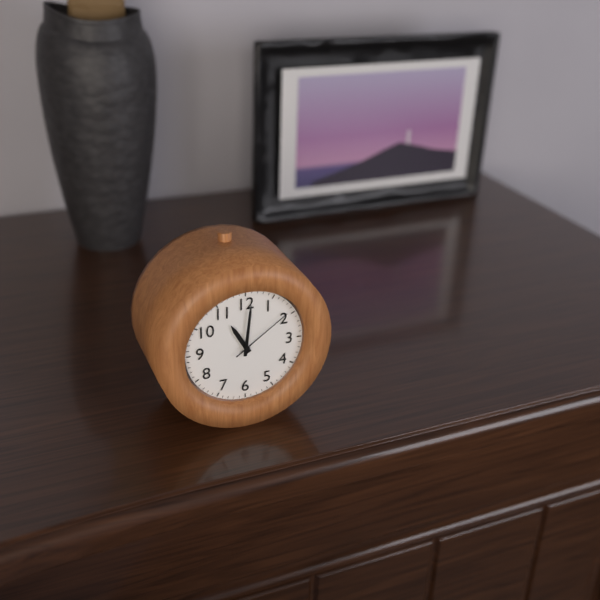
11.01.09
